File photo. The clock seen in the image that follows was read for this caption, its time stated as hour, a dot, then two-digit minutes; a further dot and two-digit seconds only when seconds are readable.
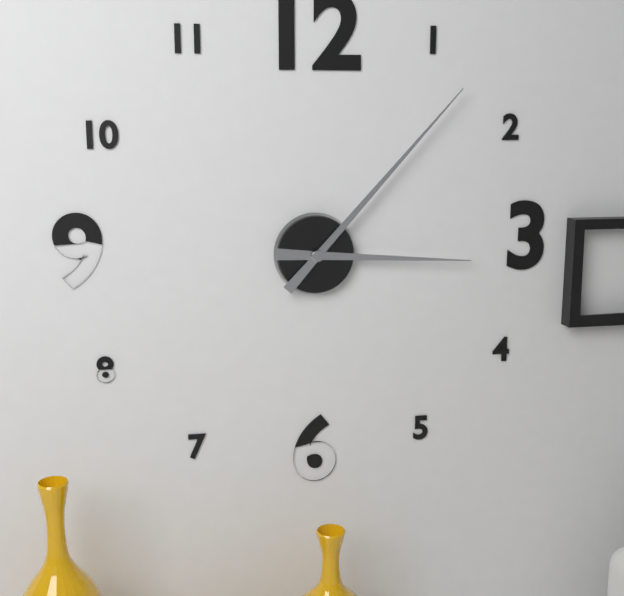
3.07
